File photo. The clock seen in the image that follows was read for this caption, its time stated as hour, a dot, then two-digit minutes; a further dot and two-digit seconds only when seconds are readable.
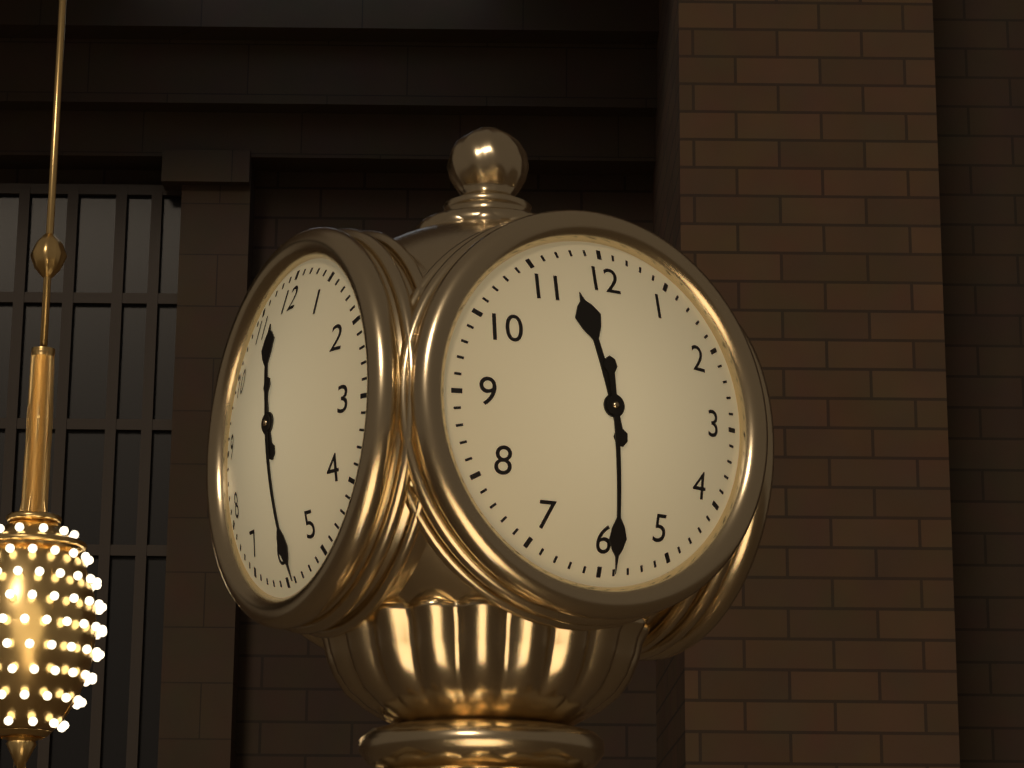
11.29
